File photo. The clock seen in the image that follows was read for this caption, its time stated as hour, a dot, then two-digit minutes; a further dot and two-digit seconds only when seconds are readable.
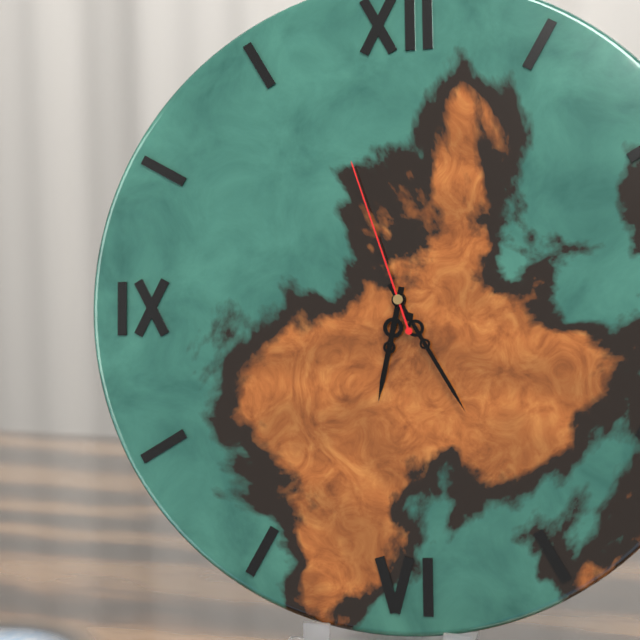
6.25.57
